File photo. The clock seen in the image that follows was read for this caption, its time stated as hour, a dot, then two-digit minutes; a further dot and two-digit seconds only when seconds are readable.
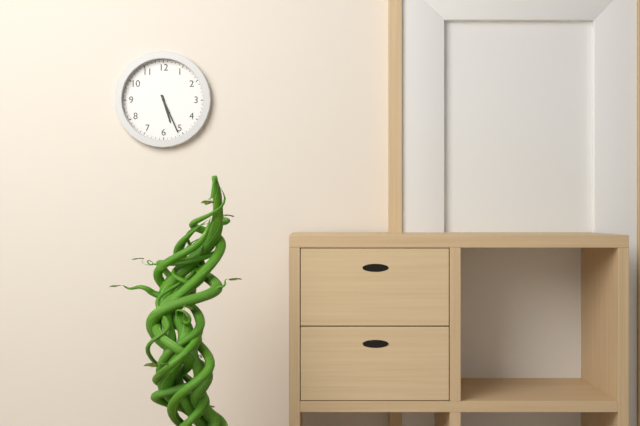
5.26
